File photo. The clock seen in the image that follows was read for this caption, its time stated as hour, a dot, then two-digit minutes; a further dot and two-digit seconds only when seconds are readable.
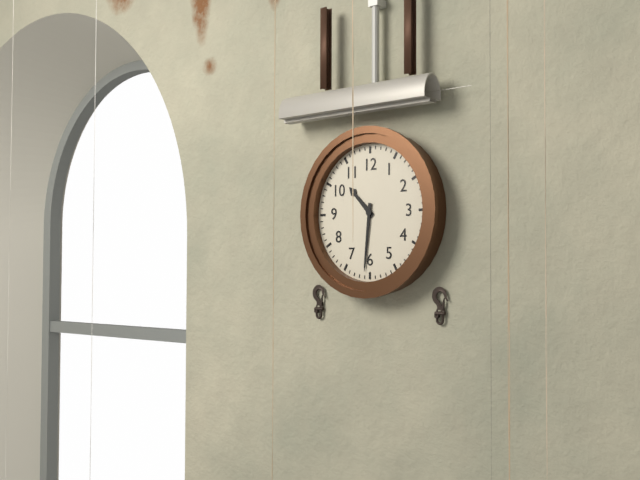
10.31
